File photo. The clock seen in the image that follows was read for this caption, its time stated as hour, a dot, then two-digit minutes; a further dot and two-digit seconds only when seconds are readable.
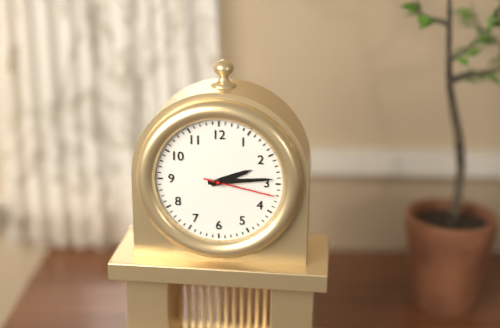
2.14.17
